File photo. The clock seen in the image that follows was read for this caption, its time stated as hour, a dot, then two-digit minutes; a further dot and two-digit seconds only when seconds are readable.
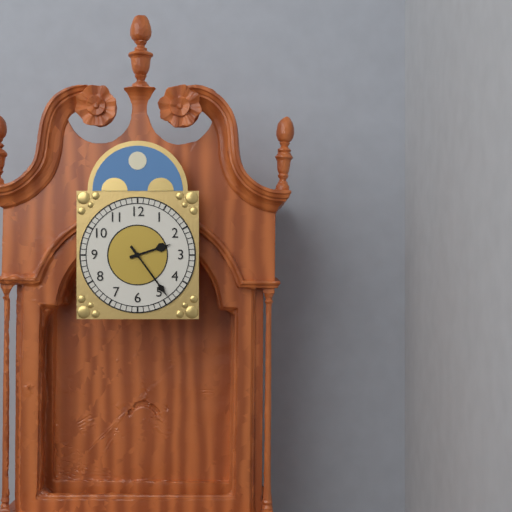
2.24
